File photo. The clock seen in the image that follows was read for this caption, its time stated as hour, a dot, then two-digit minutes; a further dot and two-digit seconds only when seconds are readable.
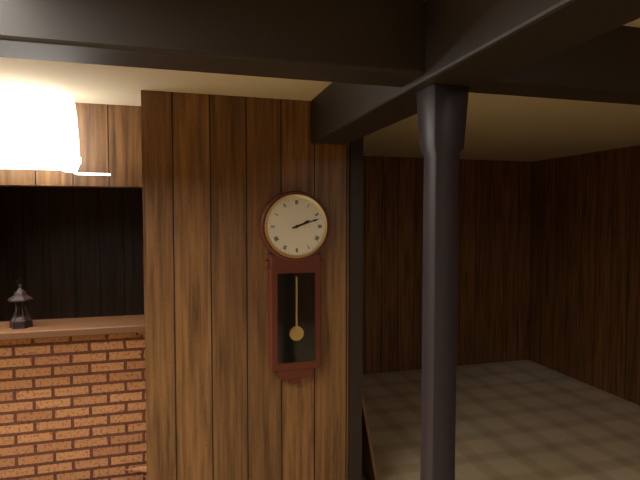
2.12
